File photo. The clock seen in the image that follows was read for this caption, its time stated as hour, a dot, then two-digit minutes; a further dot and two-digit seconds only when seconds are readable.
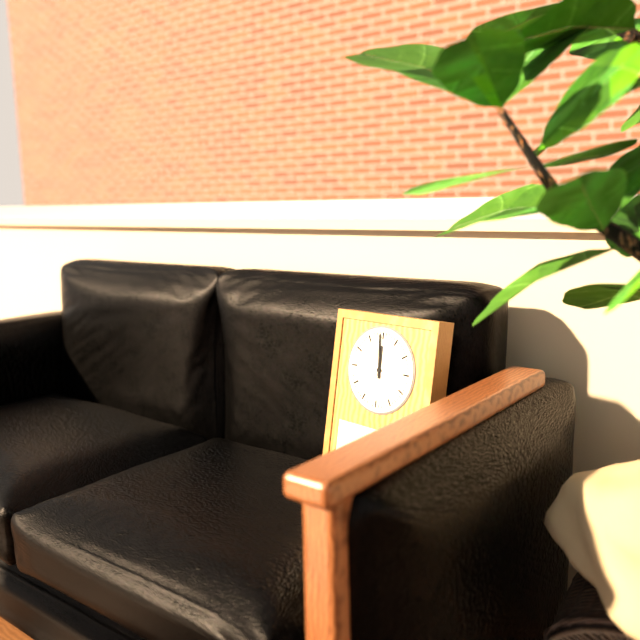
11.59
